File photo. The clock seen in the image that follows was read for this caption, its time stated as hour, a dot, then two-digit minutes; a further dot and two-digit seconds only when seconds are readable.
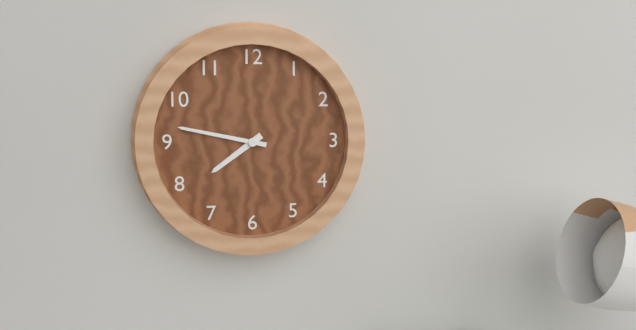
7.47
